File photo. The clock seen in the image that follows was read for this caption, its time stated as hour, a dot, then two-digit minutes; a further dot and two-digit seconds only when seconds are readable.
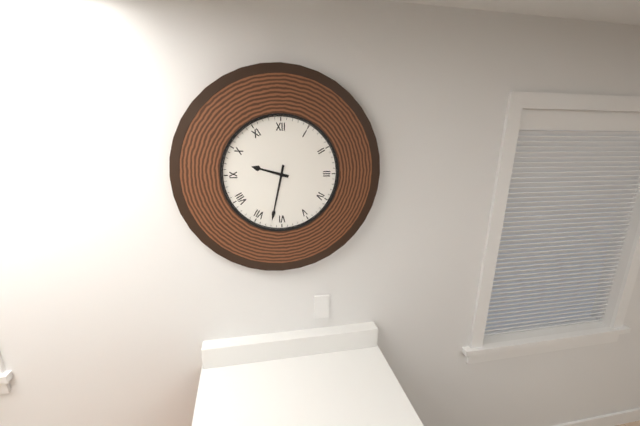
9.32
